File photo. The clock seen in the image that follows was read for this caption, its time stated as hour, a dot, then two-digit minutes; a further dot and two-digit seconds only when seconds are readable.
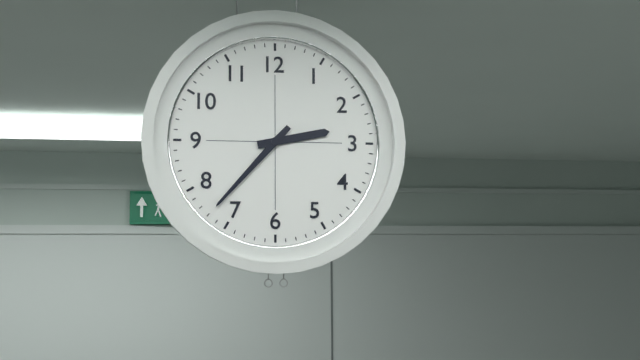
2.37
